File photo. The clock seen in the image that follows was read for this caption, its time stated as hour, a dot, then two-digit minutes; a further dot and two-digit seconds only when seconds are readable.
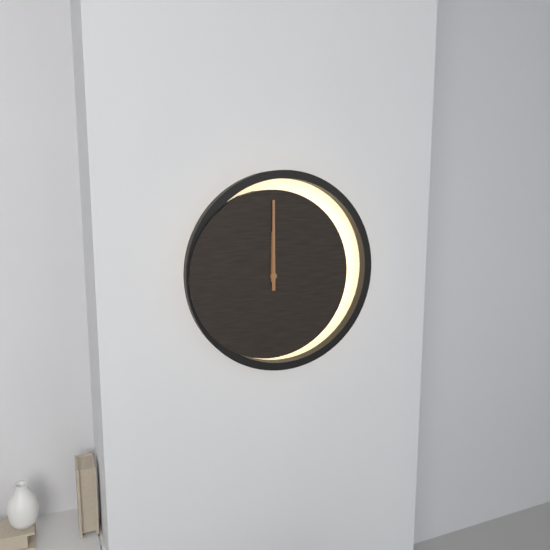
12.00
